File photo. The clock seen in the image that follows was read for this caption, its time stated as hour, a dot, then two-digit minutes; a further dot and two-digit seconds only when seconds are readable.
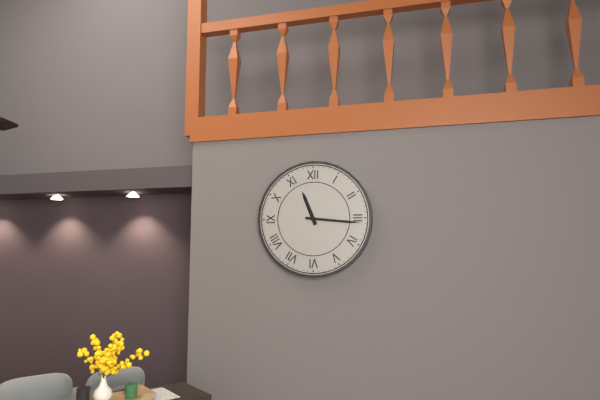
11.16
